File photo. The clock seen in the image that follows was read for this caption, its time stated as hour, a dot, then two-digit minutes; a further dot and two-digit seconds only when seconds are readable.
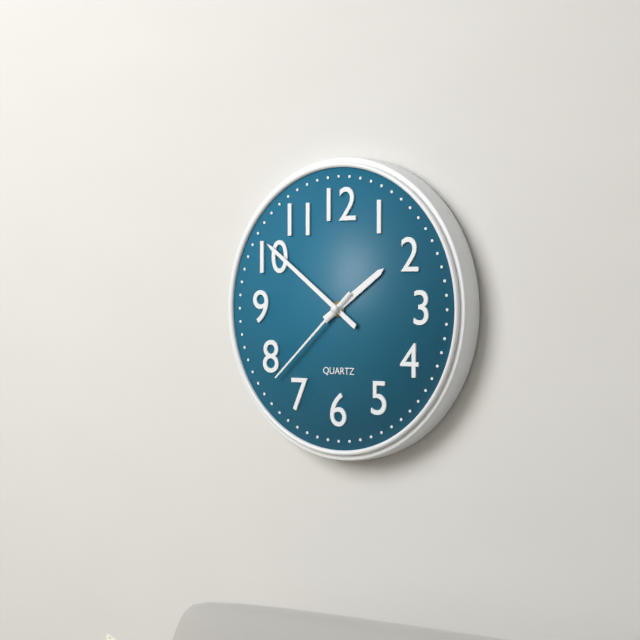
1.51.38
